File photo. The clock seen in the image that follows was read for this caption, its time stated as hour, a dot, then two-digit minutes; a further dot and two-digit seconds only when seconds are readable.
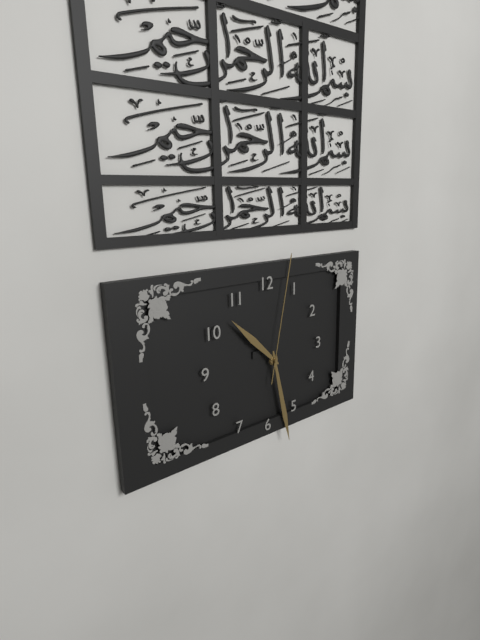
10.28.02
